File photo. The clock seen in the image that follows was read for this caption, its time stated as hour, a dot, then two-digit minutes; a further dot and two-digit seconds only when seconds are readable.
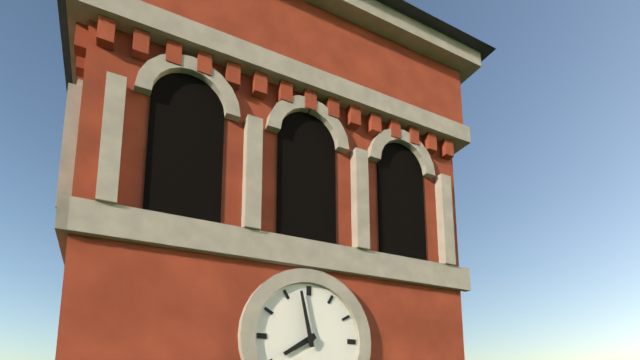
7.58
